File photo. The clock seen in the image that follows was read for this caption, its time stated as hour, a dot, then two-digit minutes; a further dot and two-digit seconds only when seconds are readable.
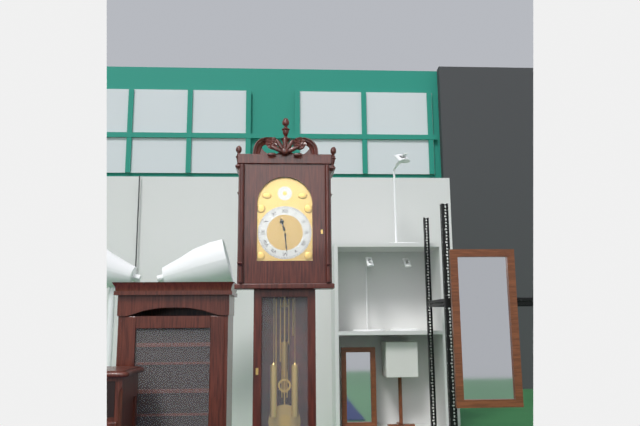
11.29
